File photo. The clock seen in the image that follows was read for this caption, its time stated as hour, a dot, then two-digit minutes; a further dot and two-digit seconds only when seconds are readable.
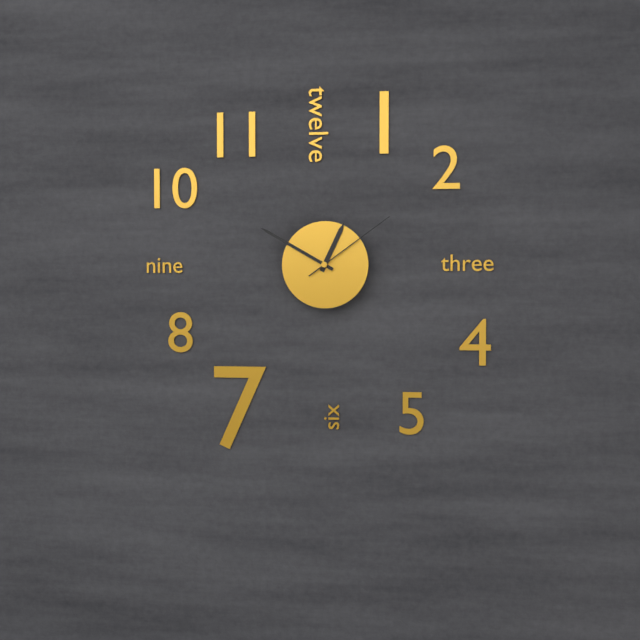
12.50.09
